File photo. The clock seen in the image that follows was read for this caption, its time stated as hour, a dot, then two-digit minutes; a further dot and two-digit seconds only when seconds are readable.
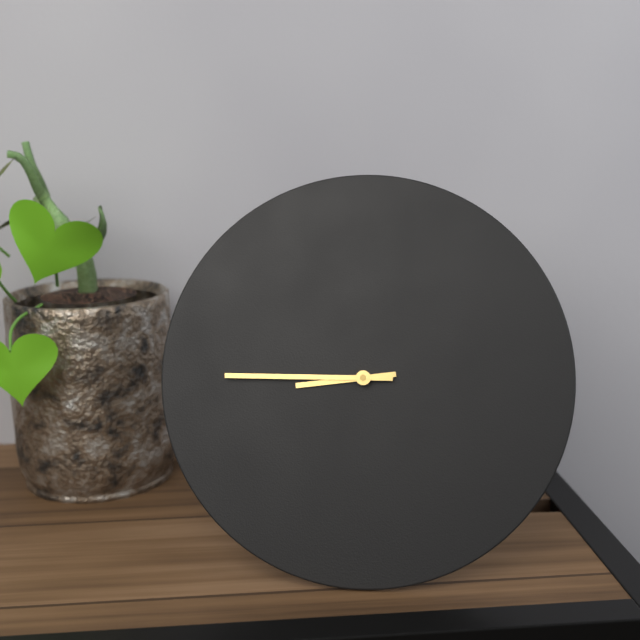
8.45
